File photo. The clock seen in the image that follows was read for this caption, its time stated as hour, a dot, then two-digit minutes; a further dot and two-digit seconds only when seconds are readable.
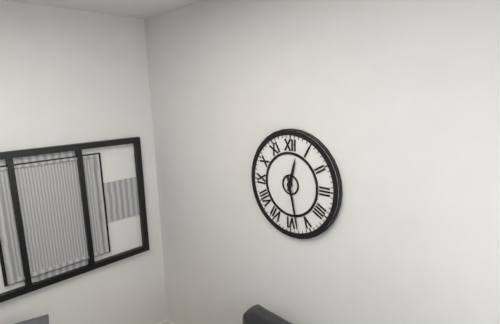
12.28
